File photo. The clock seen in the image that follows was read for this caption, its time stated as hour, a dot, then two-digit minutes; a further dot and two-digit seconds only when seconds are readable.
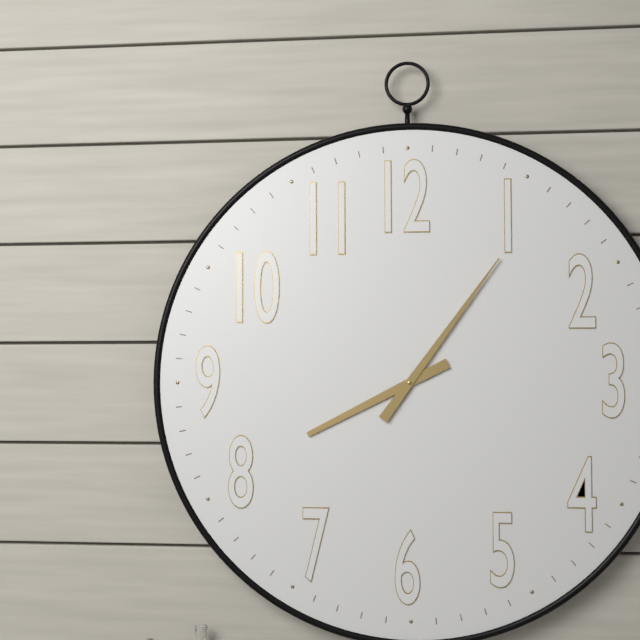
8.06
